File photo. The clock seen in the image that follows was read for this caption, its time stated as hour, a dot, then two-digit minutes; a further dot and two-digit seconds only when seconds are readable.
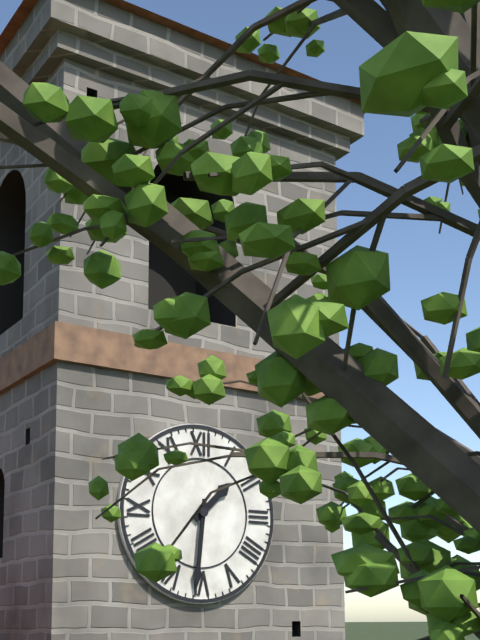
1.31
